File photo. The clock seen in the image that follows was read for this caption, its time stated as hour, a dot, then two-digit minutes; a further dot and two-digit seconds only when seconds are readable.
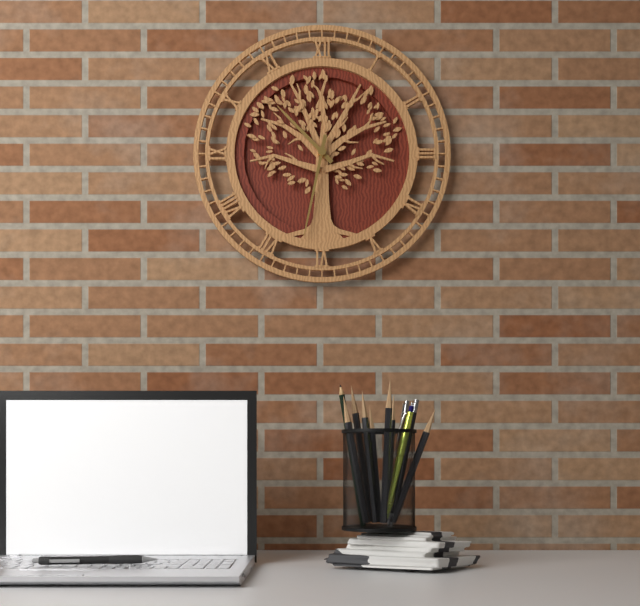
10.32
